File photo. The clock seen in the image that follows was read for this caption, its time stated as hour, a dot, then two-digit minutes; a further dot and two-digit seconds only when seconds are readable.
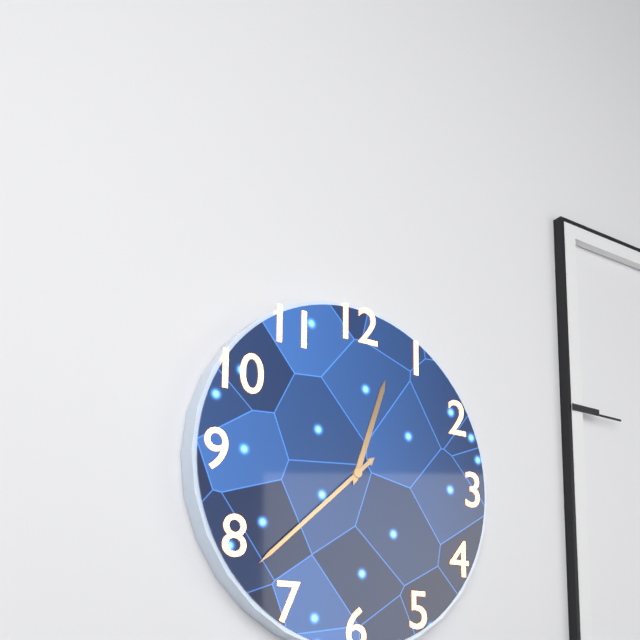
12.38
